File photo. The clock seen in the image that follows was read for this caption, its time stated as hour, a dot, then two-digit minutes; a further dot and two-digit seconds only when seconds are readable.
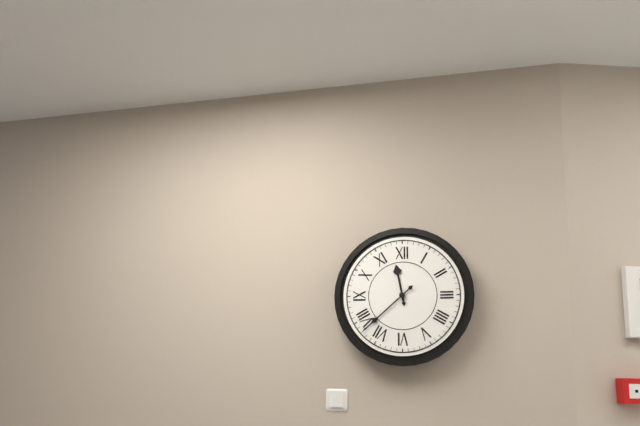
11.38
